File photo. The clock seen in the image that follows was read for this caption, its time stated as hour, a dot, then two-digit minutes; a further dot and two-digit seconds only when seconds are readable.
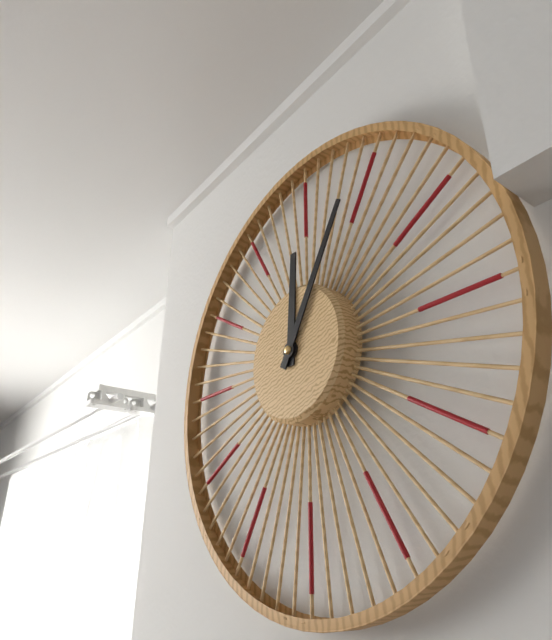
12.05
